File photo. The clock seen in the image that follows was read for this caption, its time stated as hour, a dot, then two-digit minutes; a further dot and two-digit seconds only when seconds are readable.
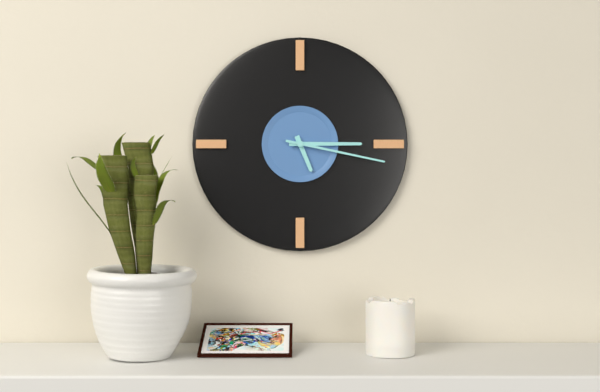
5.15.17
